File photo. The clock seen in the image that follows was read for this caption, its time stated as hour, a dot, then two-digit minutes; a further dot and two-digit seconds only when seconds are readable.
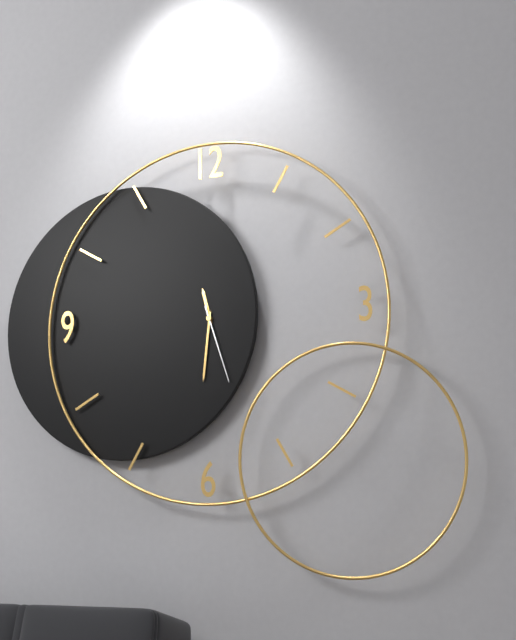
11.31.27
